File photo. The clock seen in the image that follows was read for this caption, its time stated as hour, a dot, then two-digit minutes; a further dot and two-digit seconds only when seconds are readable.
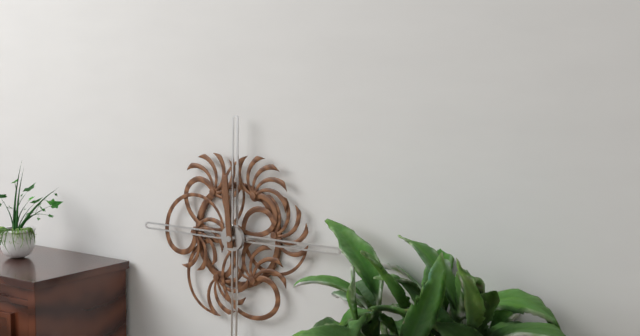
11.59
